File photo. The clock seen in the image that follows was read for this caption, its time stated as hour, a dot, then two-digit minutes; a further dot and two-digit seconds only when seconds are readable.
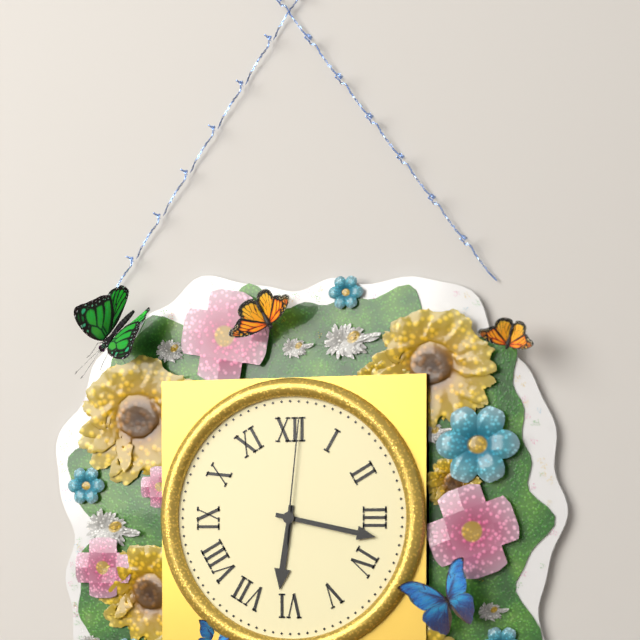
6.17.01
